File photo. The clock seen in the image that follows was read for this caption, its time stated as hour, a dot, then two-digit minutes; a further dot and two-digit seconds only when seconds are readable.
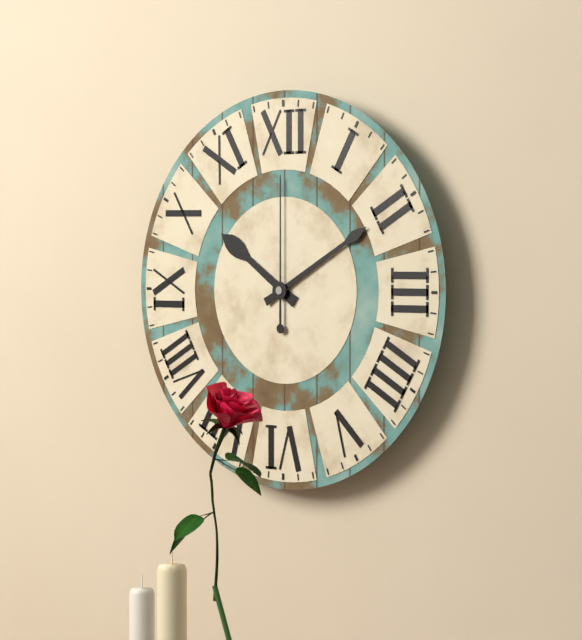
10.10.00
